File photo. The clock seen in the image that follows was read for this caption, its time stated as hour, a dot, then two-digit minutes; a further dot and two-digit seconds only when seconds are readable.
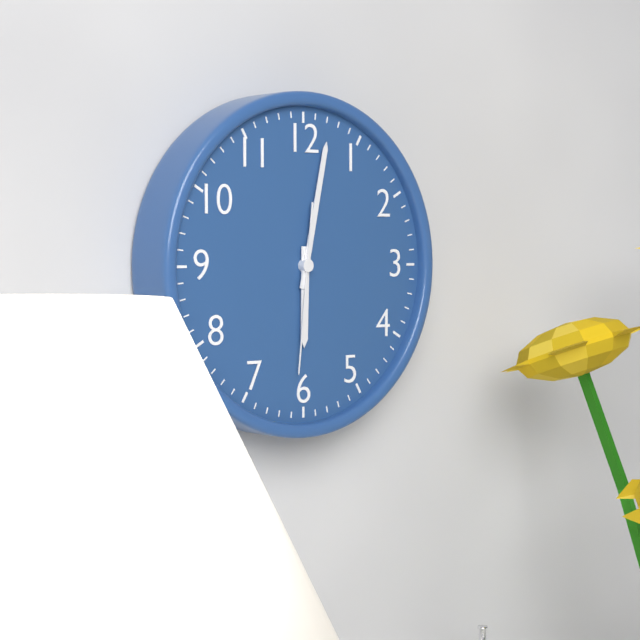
6.02.31
